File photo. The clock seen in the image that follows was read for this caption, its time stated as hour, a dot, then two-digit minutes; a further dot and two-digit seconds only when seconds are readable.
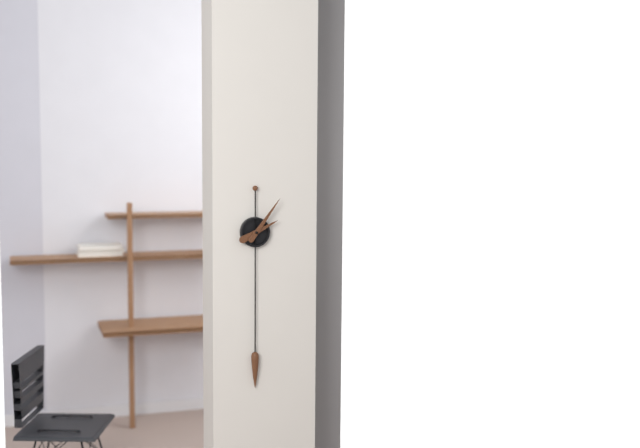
2.06
